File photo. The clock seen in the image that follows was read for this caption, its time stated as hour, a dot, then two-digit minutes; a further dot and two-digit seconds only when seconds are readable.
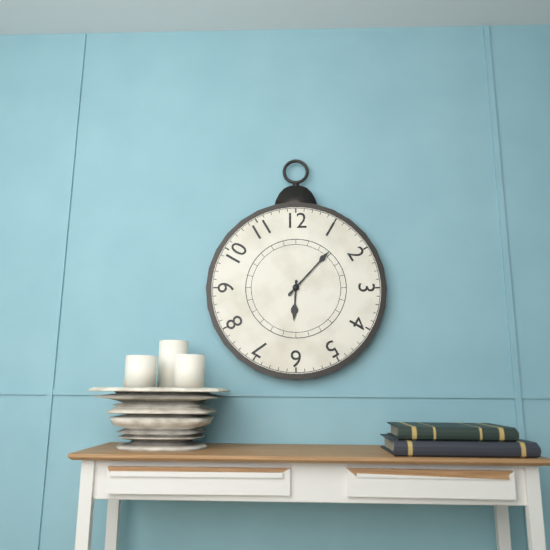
6.07
